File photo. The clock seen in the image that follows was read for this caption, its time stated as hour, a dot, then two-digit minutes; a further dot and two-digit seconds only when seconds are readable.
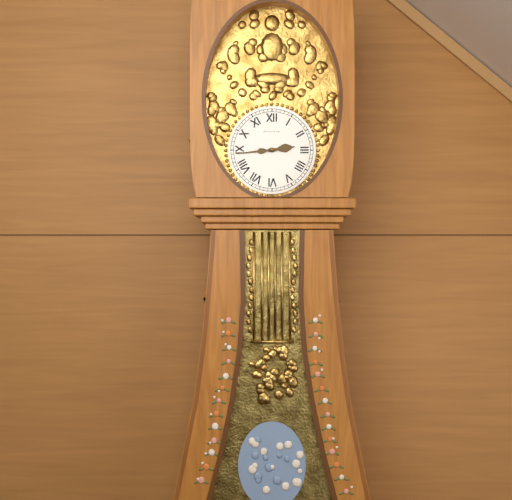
2.44
